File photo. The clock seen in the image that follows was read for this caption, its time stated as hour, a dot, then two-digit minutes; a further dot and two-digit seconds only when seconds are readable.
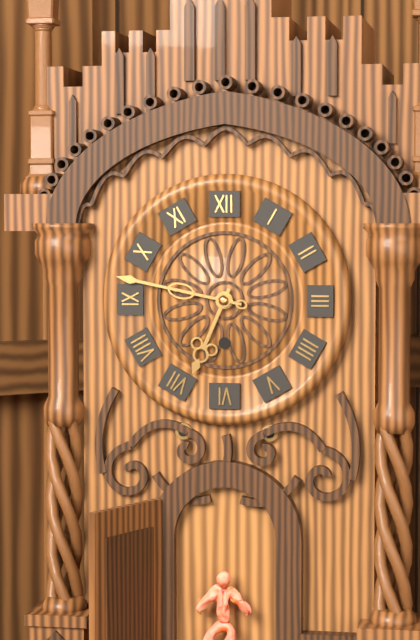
6.47
